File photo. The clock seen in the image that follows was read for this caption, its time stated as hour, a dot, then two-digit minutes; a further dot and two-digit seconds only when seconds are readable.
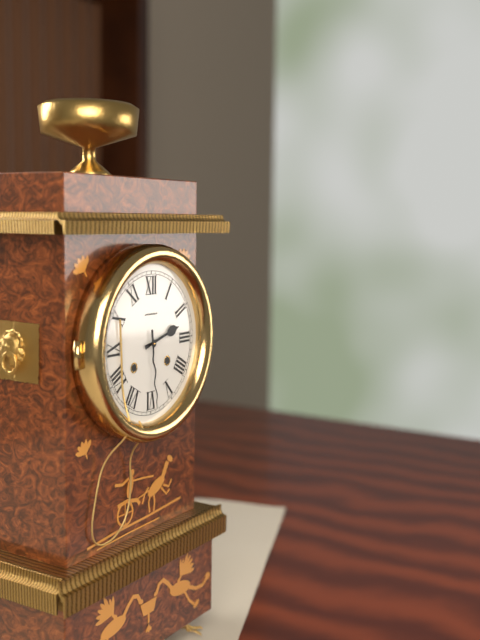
2.29
